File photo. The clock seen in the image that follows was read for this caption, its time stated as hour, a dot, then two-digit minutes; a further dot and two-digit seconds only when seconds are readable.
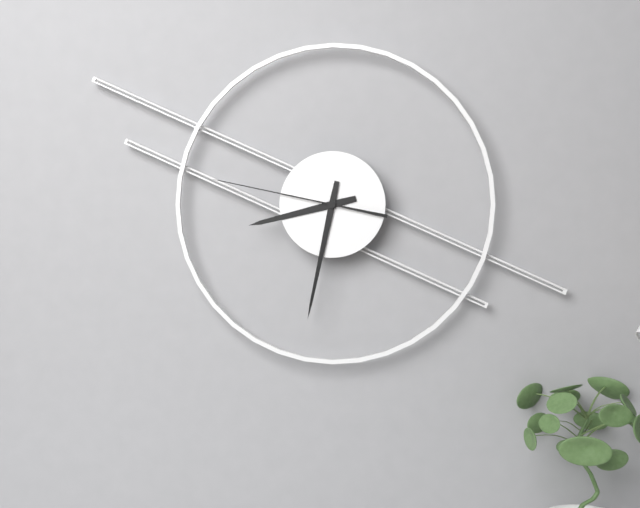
8.32.47
